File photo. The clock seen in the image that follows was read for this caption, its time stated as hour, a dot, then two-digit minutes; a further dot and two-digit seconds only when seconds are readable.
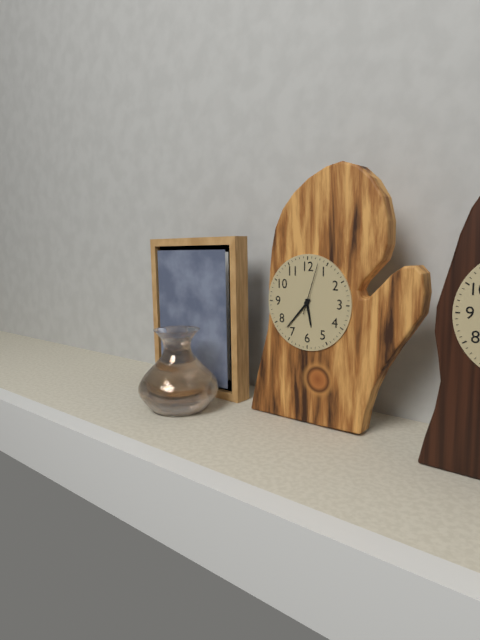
5.37.03
